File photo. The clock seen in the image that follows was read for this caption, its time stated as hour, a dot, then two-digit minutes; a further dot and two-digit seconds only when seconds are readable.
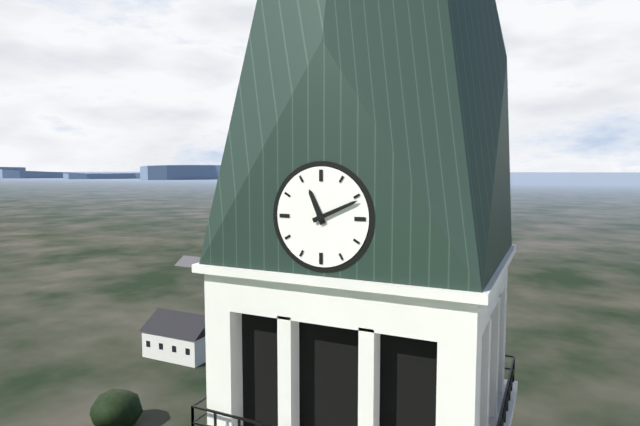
11.11
